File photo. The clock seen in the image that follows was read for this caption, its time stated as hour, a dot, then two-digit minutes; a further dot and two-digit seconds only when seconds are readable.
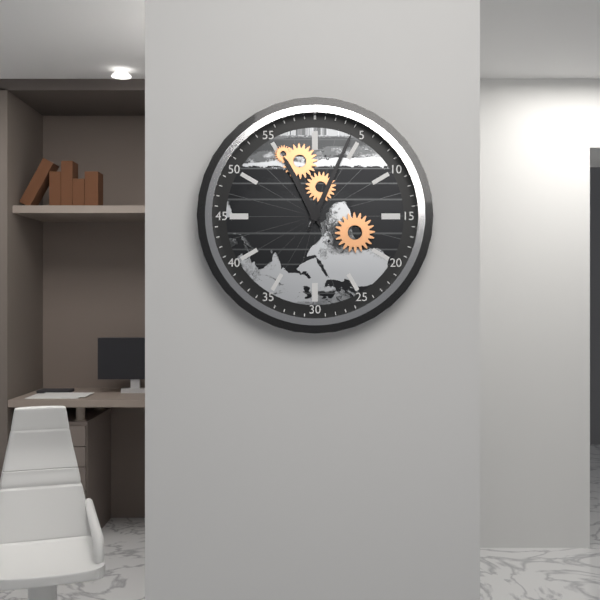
11.04
